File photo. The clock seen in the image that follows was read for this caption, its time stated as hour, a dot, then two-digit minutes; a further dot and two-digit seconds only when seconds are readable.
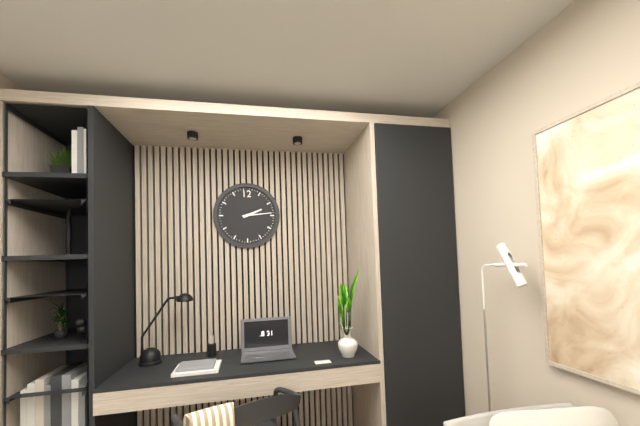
2.14
